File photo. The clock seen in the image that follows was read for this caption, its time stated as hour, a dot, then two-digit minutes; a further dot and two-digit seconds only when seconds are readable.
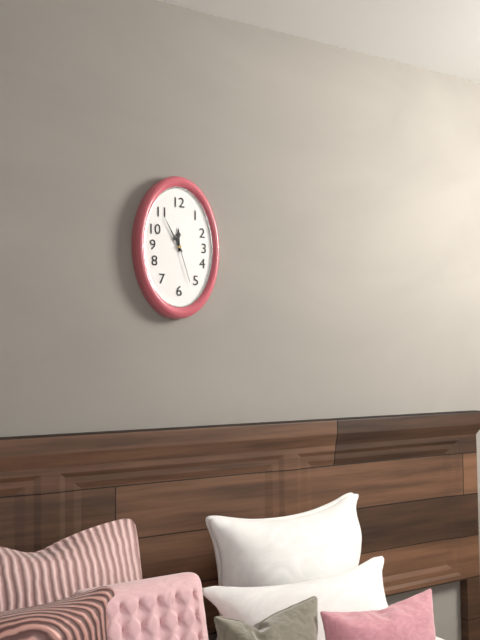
11.55
